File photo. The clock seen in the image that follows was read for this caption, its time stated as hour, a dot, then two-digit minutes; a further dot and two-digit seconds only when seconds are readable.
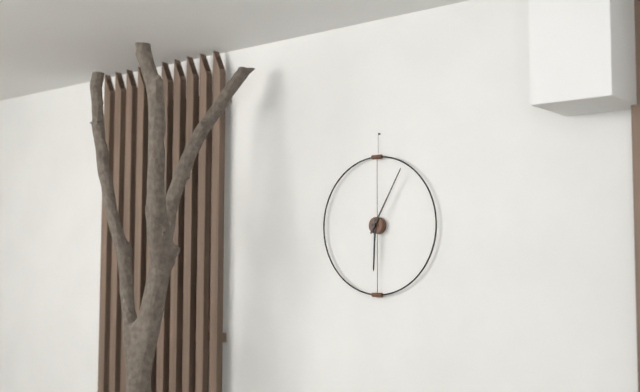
6.05
